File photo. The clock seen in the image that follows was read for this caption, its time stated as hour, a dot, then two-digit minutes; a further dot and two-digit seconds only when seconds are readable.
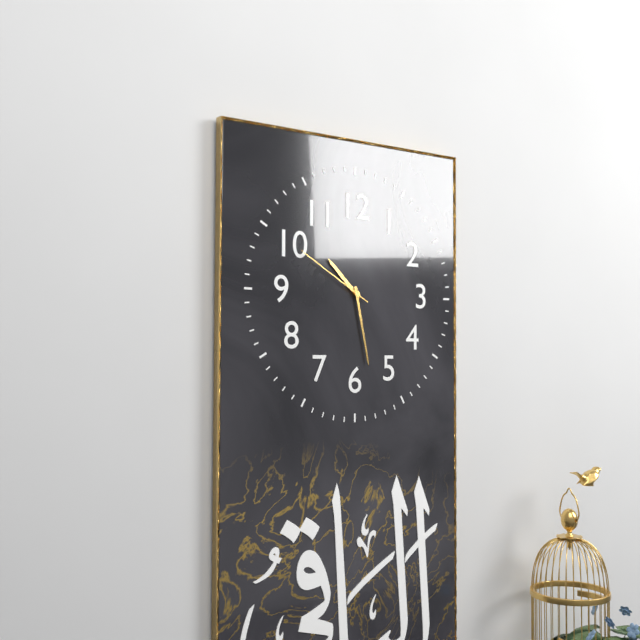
10.28.50
